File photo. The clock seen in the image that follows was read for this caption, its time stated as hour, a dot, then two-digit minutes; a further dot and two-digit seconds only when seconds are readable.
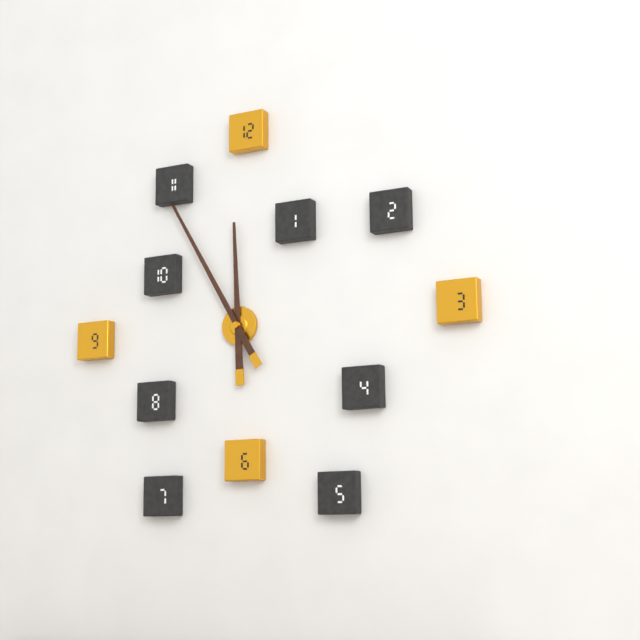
11.55
